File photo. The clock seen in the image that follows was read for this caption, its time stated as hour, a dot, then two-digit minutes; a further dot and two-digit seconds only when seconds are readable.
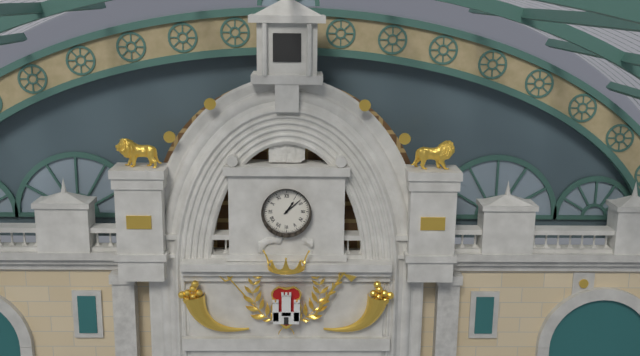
1.08
